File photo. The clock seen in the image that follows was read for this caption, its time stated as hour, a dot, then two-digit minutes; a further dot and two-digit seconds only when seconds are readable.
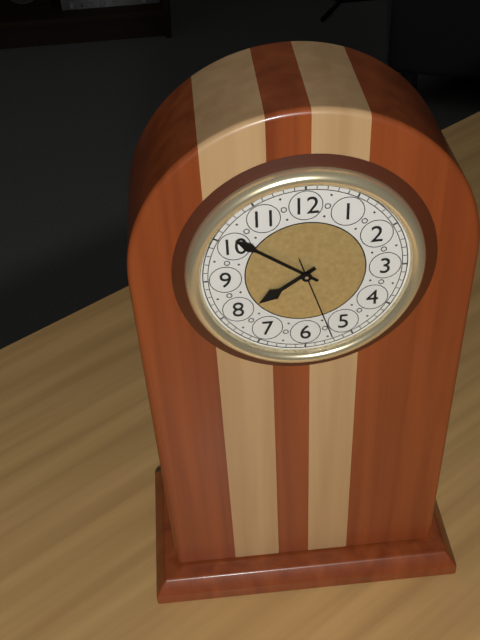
7.51.27
